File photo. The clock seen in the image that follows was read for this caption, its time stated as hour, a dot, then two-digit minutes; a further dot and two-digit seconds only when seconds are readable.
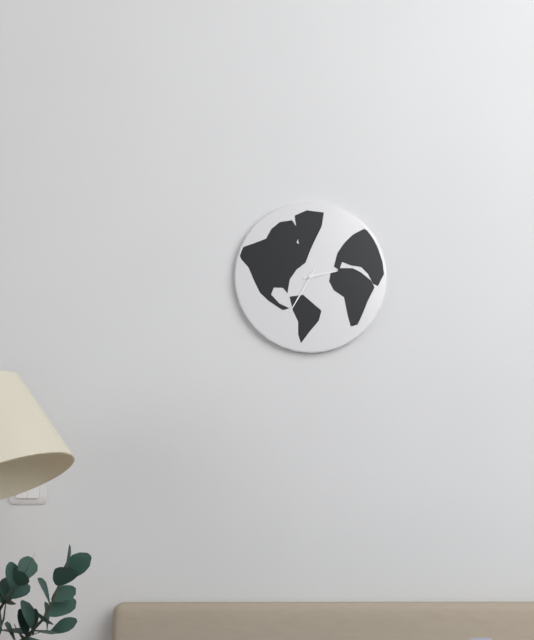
2.35
